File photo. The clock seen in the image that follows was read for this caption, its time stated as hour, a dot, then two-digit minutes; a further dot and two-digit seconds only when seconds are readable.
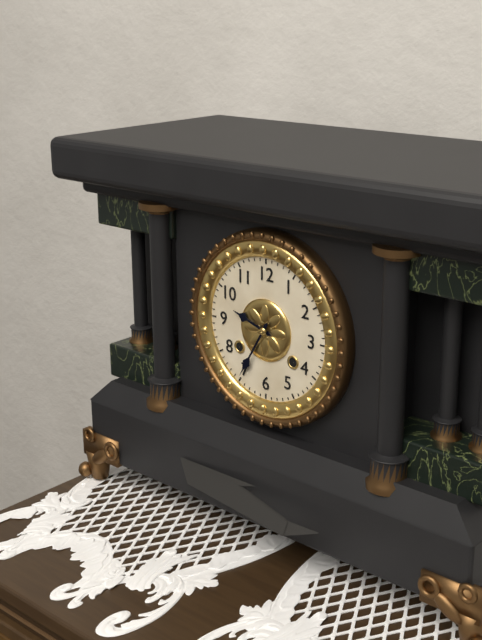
9.35
